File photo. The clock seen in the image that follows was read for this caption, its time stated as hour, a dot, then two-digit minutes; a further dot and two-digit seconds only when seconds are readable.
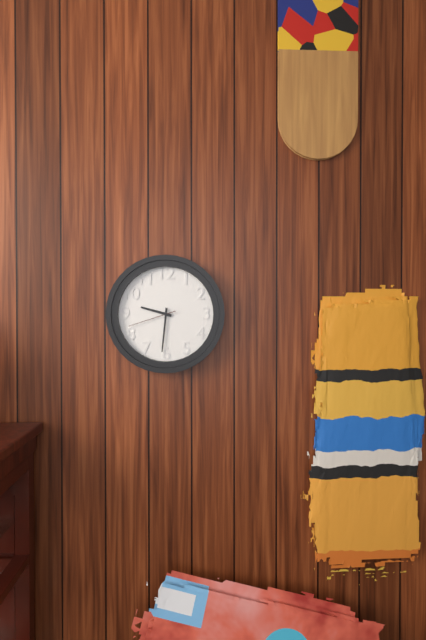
9.31
